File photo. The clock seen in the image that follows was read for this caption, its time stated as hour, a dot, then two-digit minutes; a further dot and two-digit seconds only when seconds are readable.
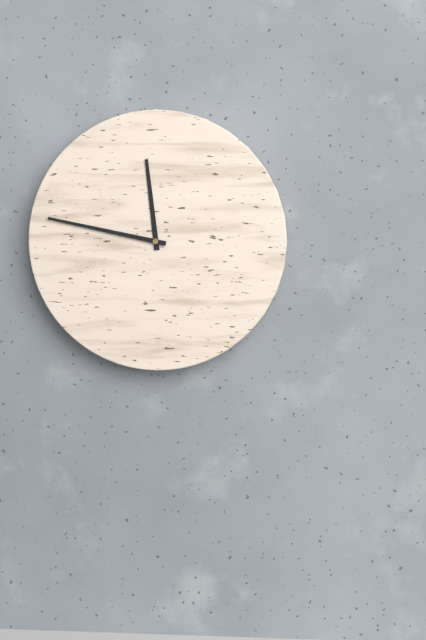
11.47
